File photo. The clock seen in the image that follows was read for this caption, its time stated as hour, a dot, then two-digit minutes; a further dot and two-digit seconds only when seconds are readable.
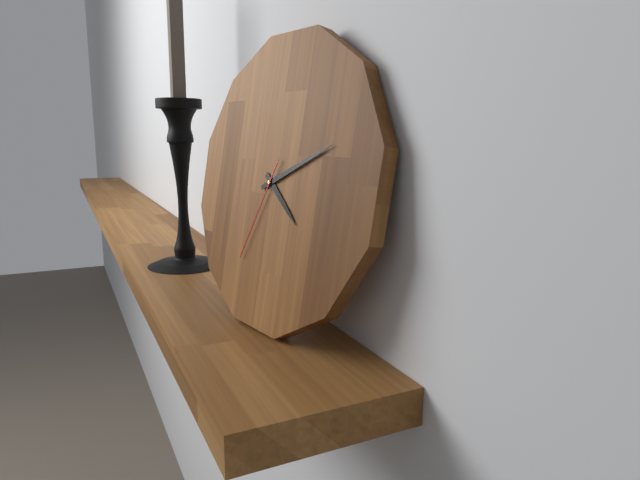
4.11.34
